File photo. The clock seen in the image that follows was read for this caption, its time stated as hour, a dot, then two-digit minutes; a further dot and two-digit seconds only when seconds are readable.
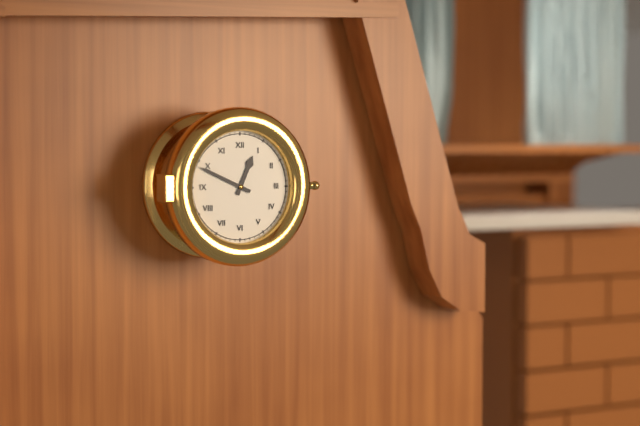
12.49
